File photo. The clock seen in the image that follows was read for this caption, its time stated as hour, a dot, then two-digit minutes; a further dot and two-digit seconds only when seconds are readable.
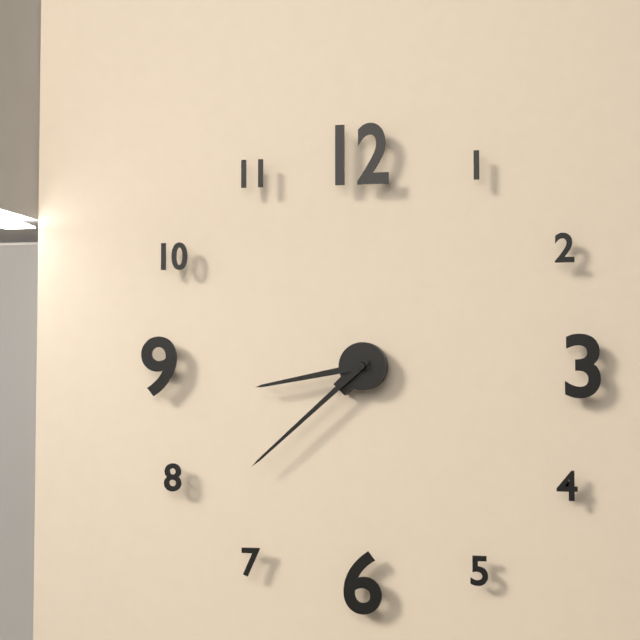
8.38
